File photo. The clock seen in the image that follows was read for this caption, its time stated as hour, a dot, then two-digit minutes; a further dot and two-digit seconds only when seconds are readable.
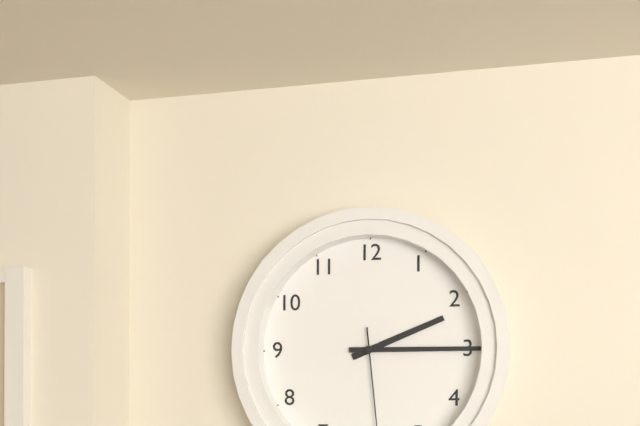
2.15
